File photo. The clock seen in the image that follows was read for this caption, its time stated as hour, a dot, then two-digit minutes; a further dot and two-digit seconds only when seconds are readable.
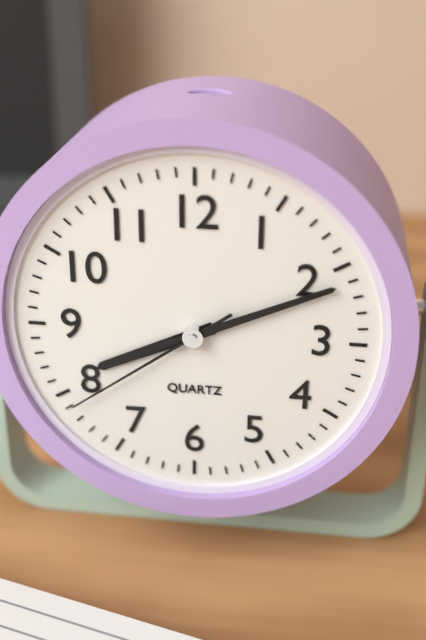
8.11.39
